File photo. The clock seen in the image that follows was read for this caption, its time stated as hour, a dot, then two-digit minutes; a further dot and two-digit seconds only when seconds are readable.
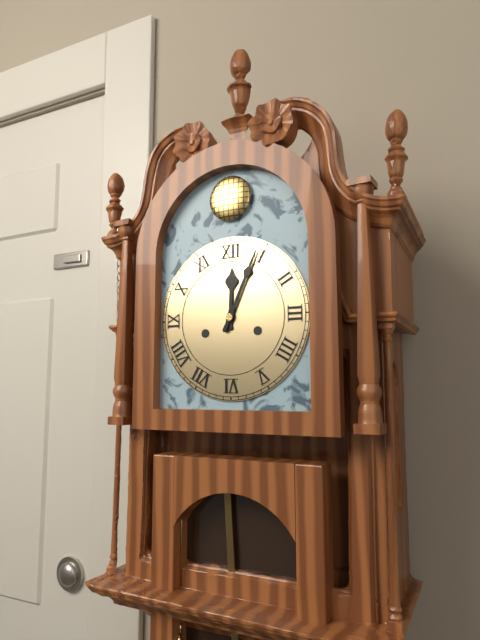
12.04
